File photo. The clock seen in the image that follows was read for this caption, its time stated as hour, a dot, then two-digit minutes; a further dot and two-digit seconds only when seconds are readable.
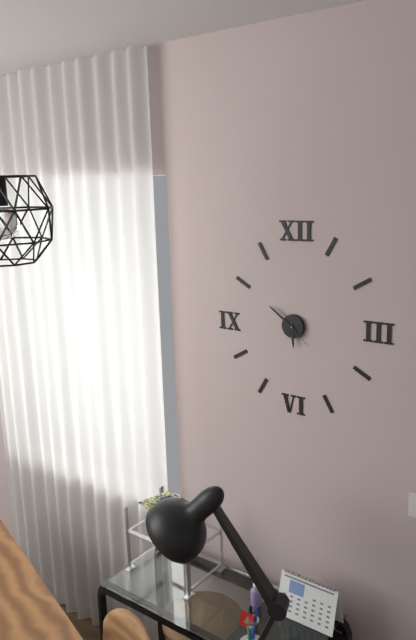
5.51
